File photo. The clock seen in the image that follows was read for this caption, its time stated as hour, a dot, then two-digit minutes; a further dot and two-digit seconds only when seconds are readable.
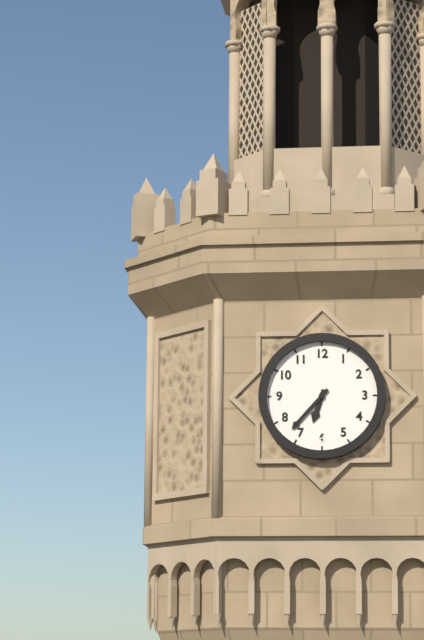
6.37
